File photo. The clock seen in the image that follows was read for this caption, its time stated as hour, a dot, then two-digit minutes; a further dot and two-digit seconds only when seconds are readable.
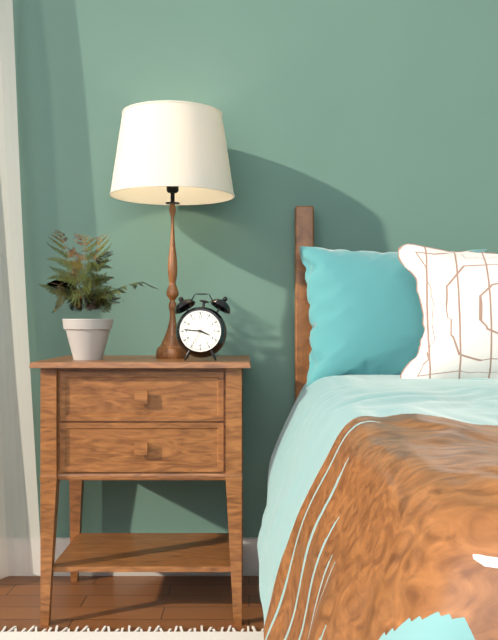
3.46
